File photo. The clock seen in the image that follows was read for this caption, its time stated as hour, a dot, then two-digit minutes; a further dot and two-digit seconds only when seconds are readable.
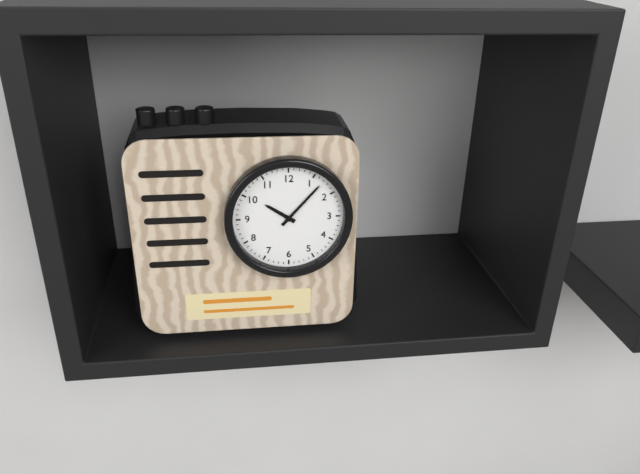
10.07
